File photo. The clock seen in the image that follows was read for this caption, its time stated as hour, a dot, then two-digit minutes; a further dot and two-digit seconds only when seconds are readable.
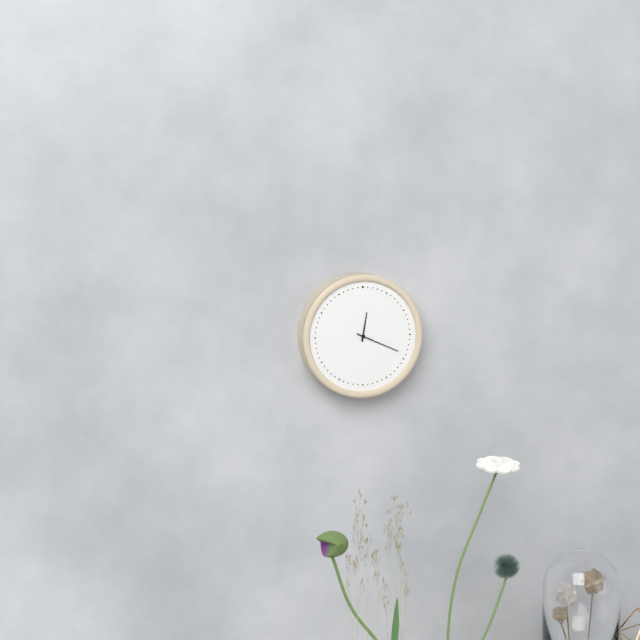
12.19
